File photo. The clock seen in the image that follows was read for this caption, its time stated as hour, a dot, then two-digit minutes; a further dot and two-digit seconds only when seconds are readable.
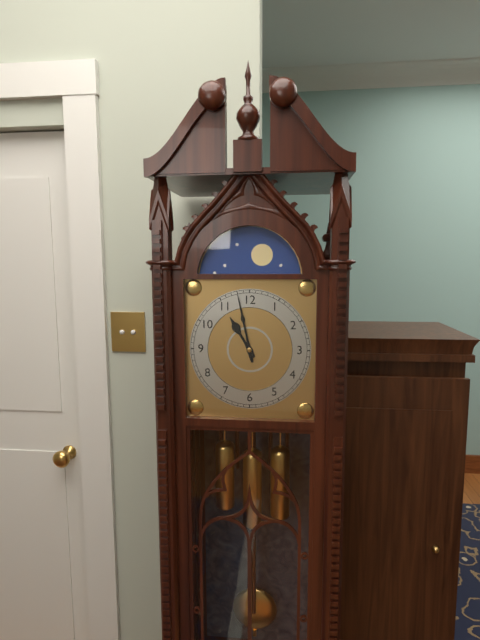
10.58
